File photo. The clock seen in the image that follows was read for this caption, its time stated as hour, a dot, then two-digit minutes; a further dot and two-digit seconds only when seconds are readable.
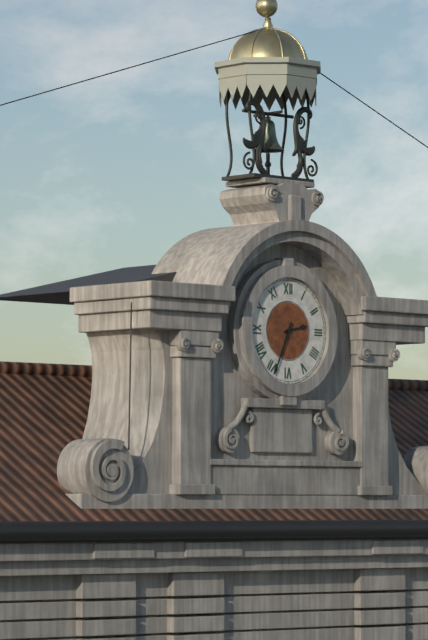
2.34
